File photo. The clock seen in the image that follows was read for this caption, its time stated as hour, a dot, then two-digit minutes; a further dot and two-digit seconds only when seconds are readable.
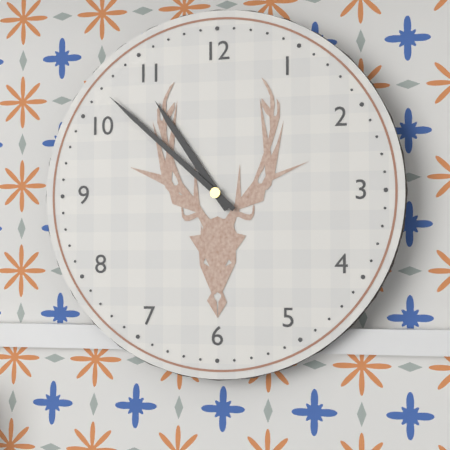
10.52
